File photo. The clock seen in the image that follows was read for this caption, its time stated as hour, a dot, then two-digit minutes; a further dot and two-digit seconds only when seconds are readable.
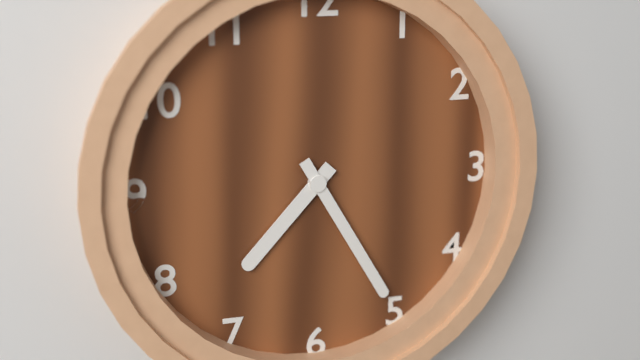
7.25
